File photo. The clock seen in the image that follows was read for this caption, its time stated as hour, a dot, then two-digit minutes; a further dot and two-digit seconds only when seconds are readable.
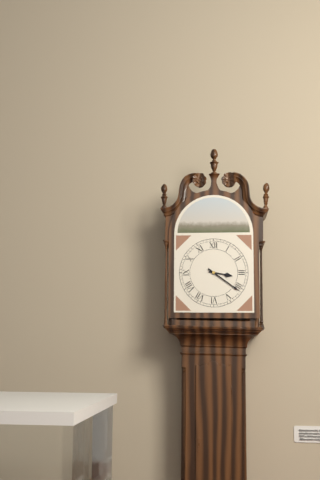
3.21
